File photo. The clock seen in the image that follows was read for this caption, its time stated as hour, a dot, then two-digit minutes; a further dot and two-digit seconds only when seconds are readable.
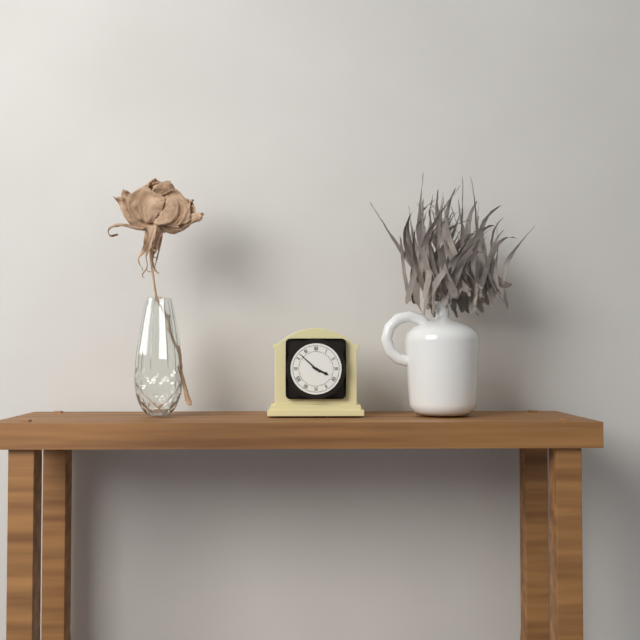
3.52
